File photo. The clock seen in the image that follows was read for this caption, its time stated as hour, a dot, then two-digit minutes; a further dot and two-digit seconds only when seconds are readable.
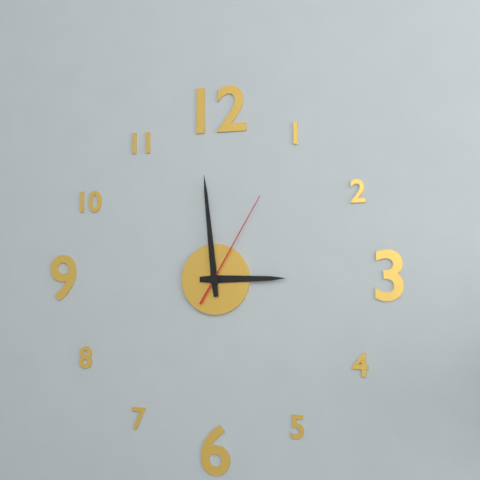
2.59.05
